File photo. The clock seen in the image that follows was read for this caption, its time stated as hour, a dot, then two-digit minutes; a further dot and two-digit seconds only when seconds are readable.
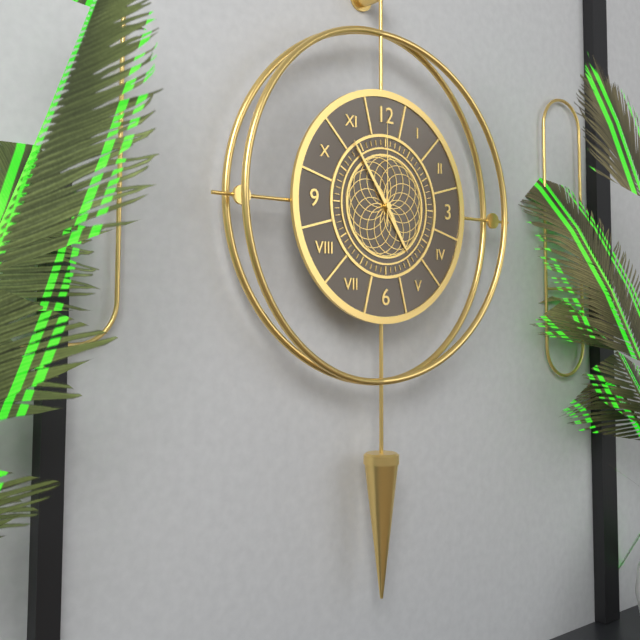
4.54.00
